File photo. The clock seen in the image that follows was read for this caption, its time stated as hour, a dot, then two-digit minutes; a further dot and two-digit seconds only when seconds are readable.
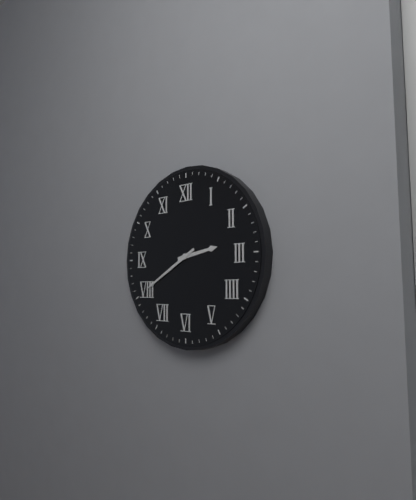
2.40
